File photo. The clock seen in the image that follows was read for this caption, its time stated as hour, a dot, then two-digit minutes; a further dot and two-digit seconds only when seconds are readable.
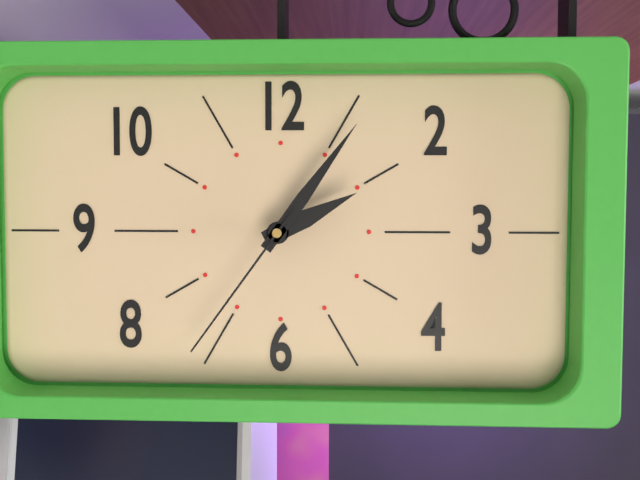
2.06.36
